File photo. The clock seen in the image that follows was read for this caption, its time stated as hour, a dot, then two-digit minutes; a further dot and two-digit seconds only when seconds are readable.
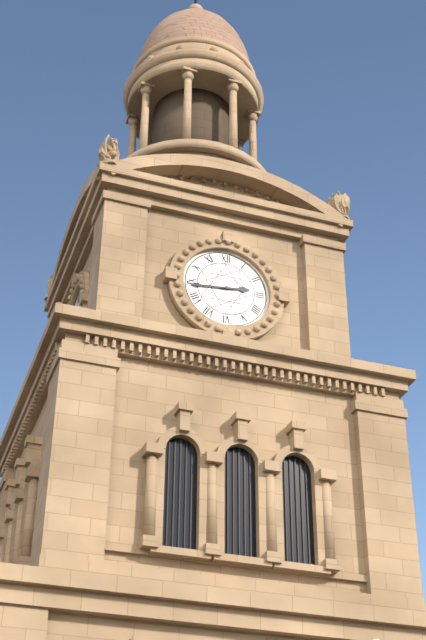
2.44
